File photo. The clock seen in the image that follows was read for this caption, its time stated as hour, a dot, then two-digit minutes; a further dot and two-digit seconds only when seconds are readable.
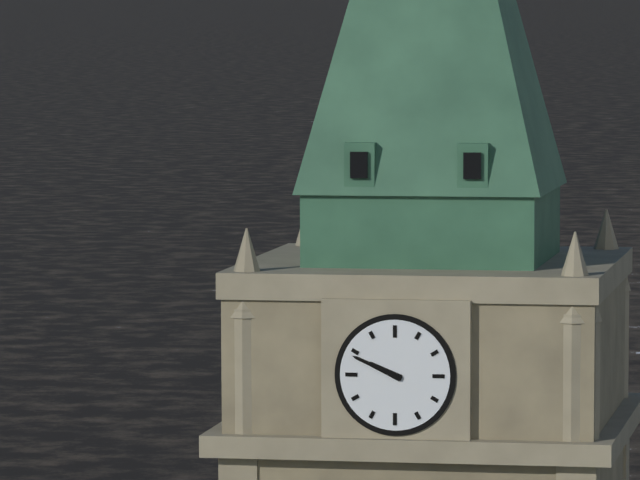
9.49
